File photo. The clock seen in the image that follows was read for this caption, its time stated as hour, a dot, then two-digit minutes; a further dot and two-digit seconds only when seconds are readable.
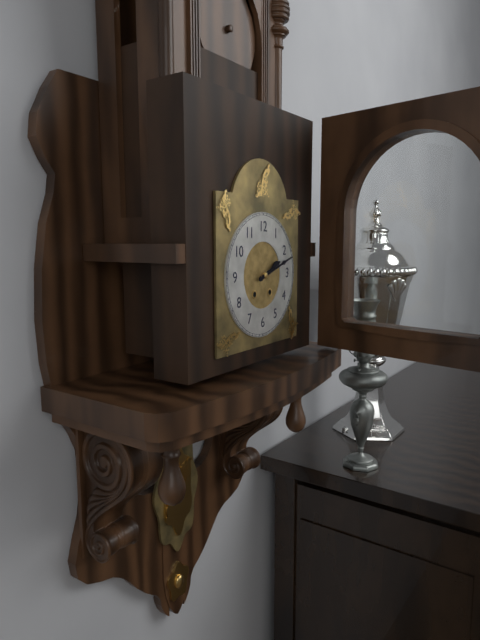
2.12
